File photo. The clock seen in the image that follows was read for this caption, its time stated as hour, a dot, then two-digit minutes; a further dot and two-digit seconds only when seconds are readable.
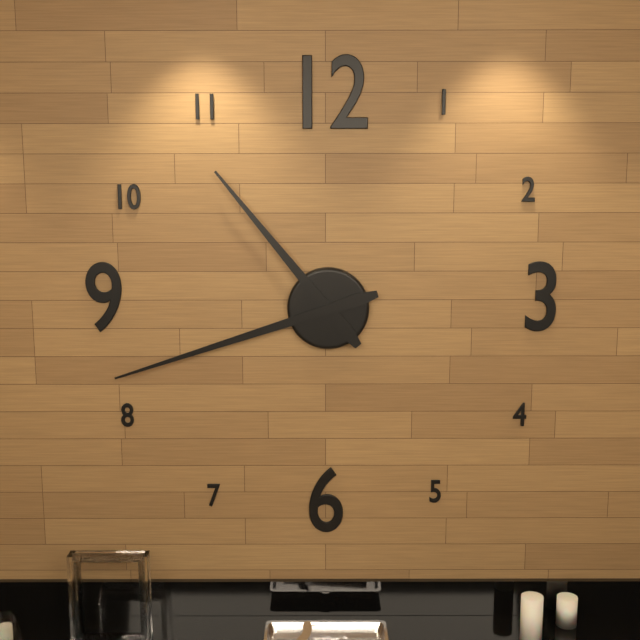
10.42
